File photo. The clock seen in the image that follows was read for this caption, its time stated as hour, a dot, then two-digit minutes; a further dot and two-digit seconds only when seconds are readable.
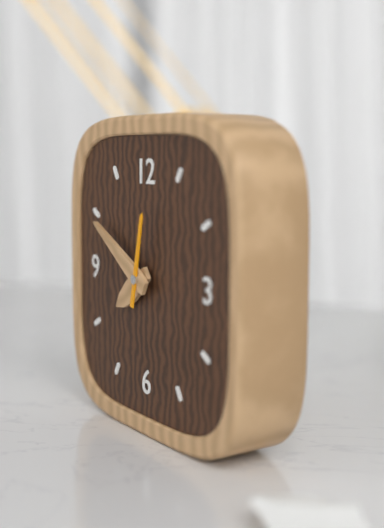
7.50.02
